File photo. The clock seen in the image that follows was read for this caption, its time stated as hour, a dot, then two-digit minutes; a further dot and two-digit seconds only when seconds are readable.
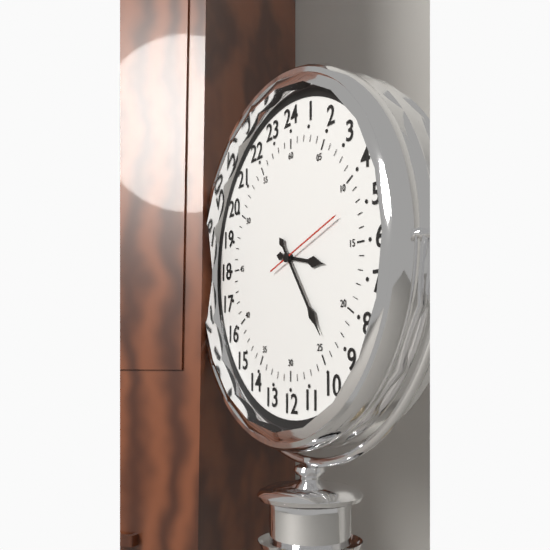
3.24.12
